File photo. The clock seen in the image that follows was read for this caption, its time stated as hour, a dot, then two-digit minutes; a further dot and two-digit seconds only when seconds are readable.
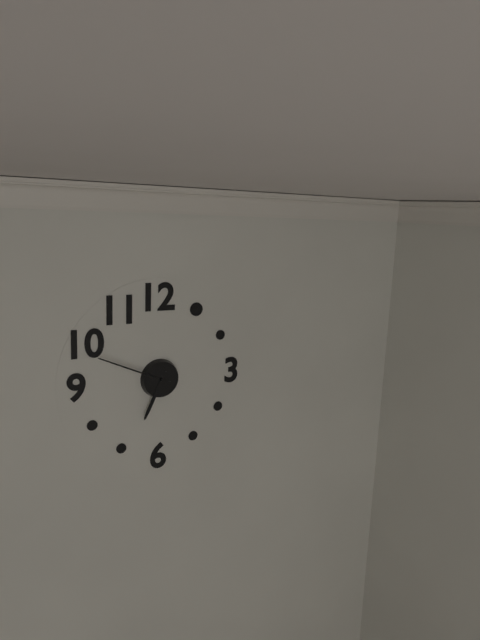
6.49
